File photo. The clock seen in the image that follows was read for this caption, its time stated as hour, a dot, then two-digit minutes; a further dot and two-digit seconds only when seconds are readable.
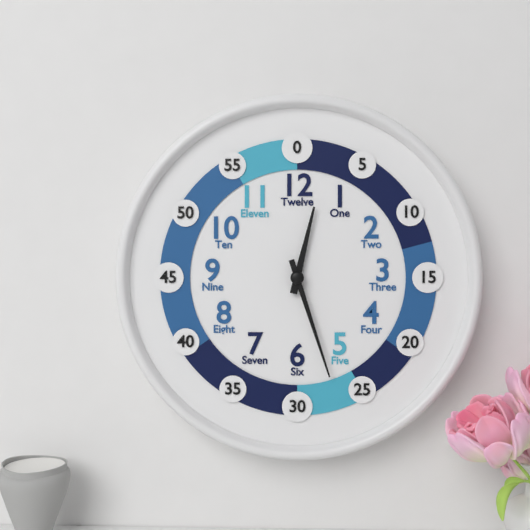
12.27
